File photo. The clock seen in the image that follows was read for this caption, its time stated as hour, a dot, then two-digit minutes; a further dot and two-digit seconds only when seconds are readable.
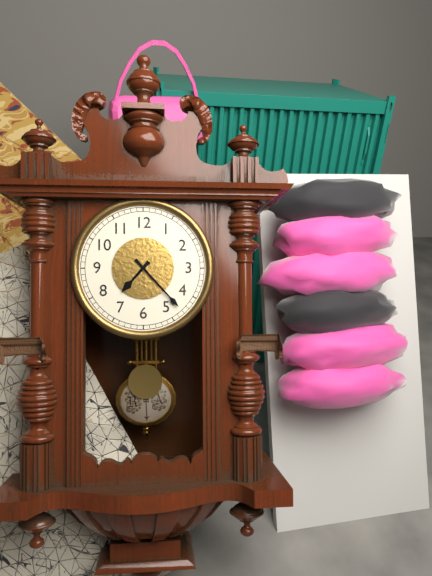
7.23
